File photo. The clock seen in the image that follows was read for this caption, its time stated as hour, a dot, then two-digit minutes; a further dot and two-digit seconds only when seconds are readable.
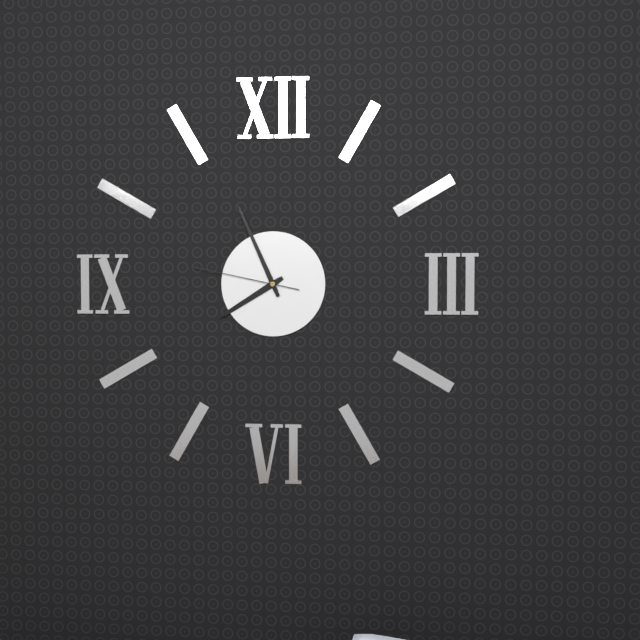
7.56.47
